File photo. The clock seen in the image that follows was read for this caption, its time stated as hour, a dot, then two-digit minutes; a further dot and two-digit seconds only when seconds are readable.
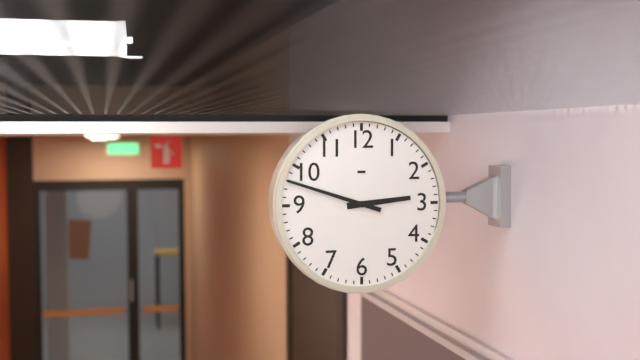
2.48
